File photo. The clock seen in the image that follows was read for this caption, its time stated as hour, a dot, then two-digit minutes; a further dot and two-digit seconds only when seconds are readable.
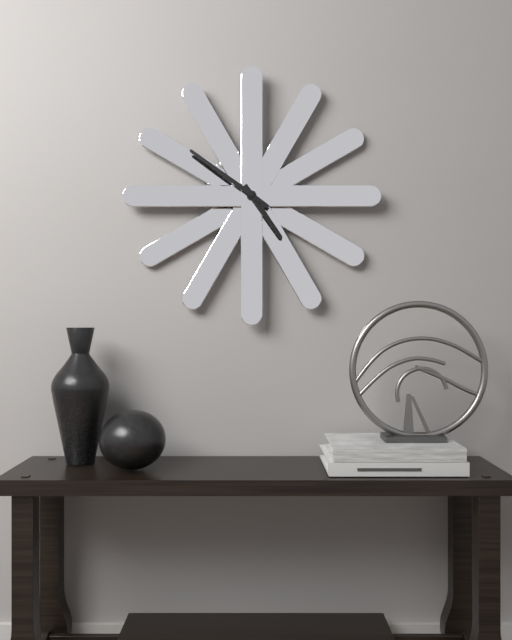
4.51
